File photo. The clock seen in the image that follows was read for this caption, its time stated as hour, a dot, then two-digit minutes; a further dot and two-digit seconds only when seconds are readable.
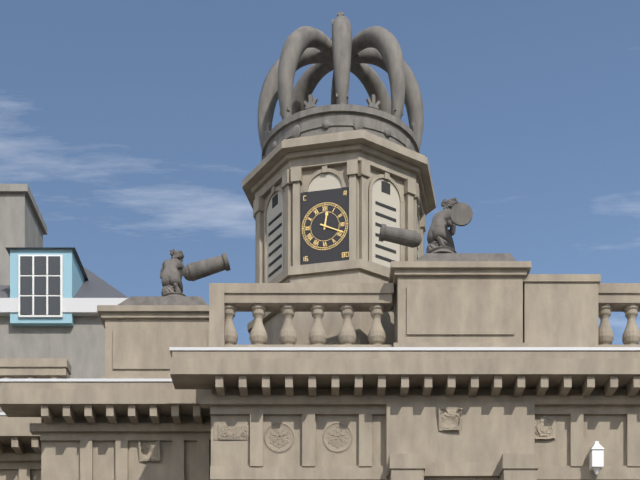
12.19
